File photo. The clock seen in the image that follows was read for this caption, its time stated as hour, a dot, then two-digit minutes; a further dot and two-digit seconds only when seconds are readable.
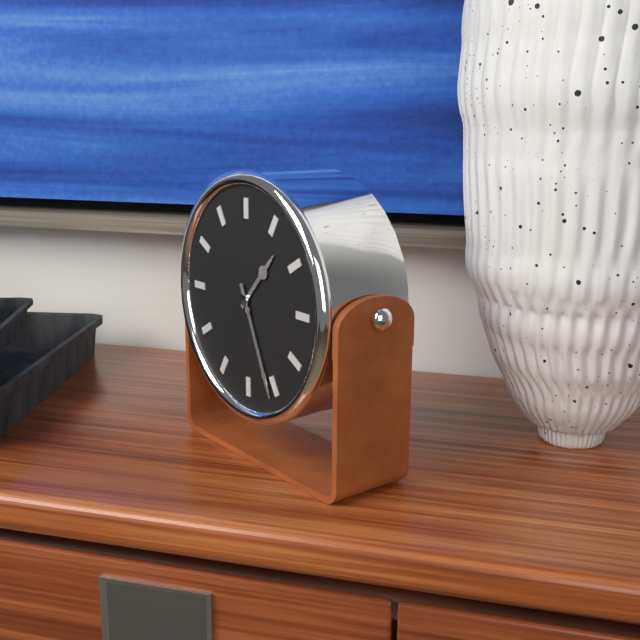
1.26
